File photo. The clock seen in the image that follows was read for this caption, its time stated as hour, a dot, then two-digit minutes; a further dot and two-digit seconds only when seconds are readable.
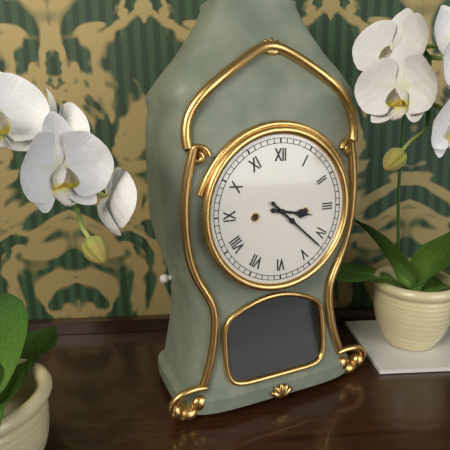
3.22
